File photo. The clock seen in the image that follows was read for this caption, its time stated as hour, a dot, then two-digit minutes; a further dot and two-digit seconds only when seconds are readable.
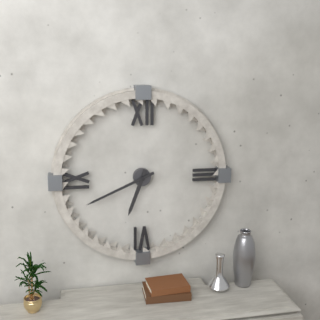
6.41
